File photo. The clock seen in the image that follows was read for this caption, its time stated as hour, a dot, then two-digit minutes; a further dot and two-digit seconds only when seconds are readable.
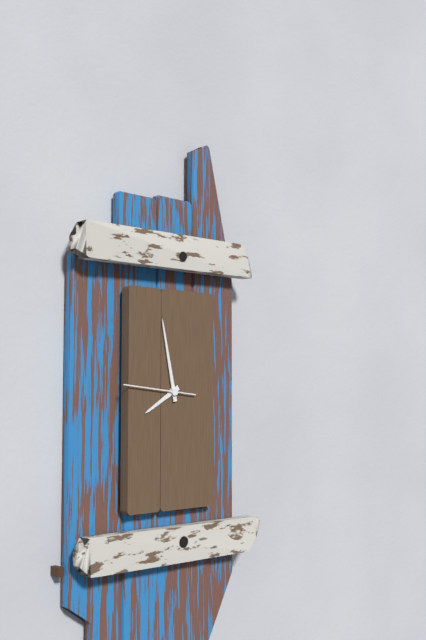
7.58.46
